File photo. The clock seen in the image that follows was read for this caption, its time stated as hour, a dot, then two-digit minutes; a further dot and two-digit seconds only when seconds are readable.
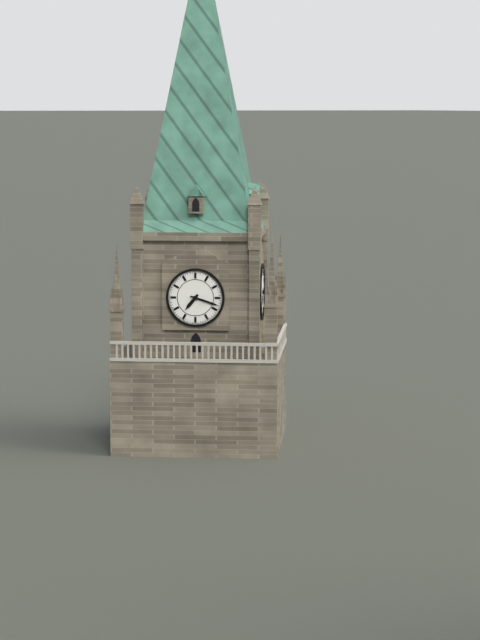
7.18
